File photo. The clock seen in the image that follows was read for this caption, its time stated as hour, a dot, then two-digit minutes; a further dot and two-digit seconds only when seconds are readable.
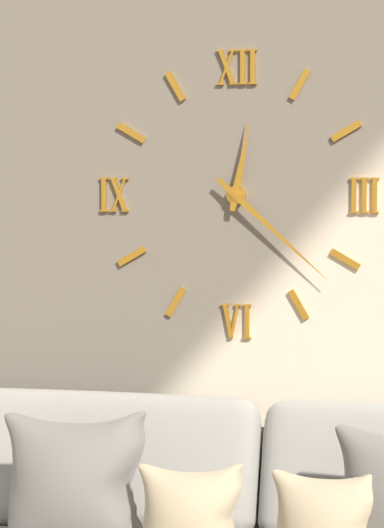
12.22
